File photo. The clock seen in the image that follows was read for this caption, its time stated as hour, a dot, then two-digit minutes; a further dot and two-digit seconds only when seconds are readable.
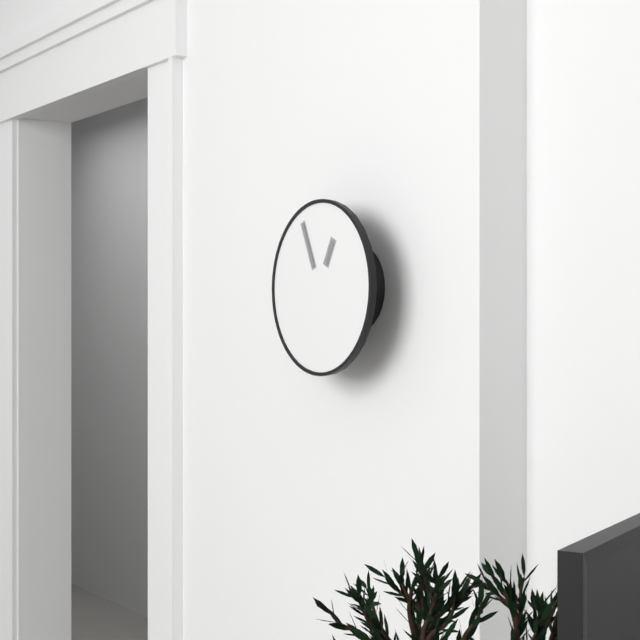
12.56
